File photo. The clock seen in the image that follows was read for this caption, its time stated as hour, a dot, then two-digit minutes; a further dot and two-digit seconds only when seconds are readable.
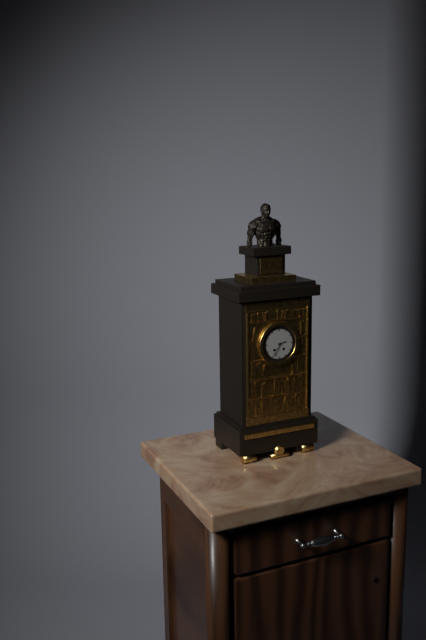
2.35
